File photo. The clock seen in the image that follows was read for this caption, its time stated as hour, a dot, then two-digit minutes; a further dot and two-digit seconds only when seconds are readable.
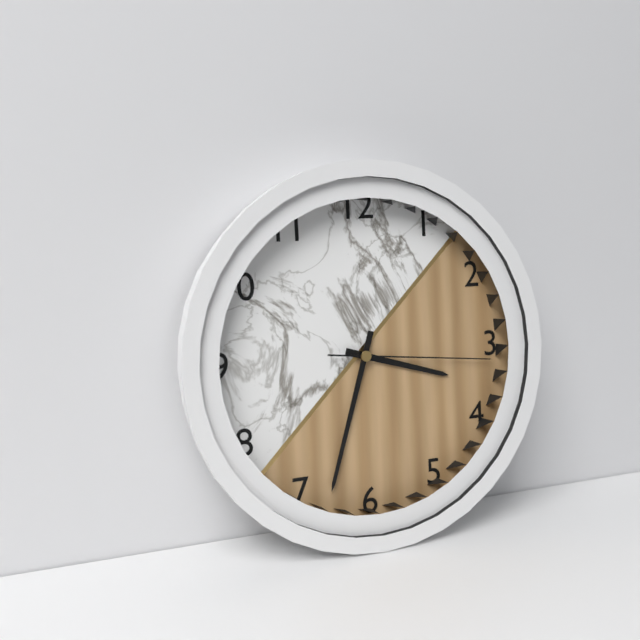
3.33.16
